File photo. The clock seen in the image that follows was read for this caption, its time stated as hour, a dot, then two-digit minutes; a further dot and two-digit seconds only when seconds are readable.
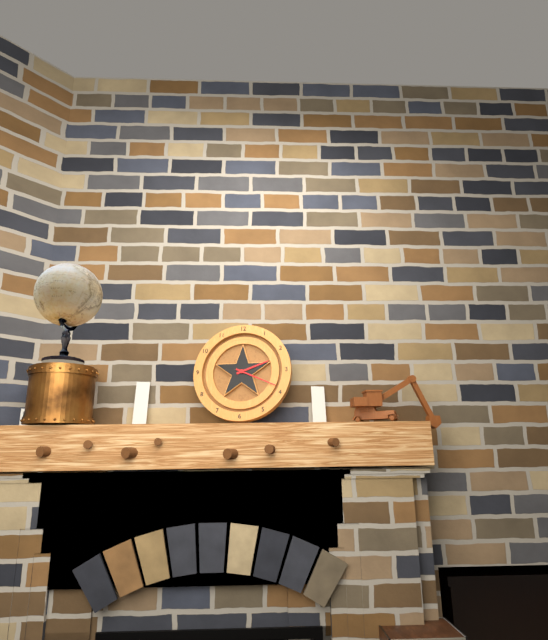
2.19
